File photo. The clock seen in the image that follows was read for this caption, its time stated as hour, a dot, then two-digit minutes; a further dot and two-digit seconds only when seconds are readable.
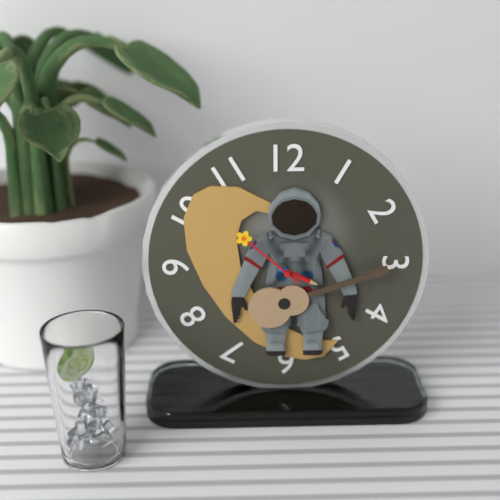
3.52
